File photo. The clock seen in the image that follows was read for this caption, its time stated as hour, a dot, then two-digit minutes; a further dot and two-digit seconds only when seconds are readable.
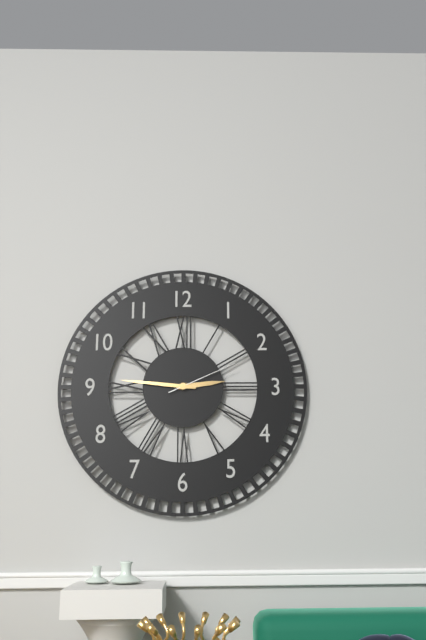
2.46.11
